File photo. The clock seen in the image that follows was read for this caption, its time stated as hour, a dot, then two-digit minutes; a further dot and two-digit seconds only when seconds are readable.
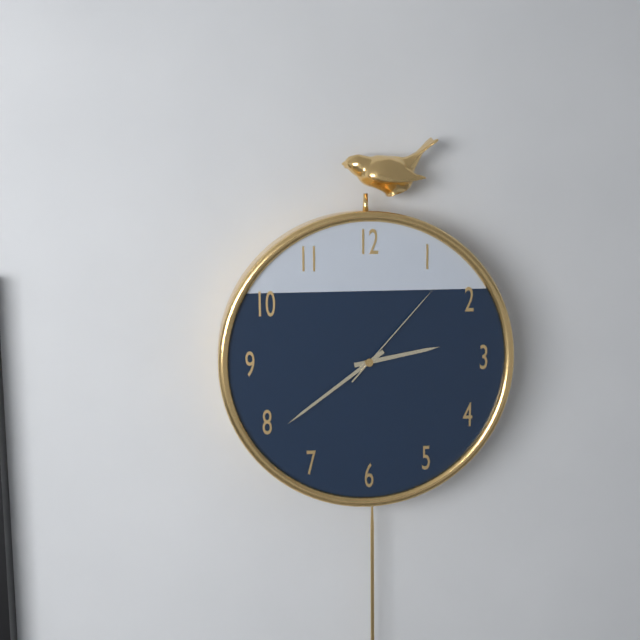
2.39.07
